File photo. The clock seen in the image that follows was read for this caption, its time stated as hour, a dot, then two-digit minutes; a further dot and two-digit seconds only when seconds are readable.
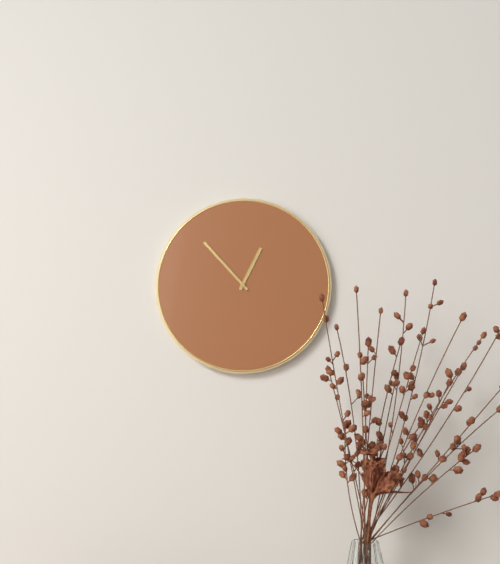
12.53
